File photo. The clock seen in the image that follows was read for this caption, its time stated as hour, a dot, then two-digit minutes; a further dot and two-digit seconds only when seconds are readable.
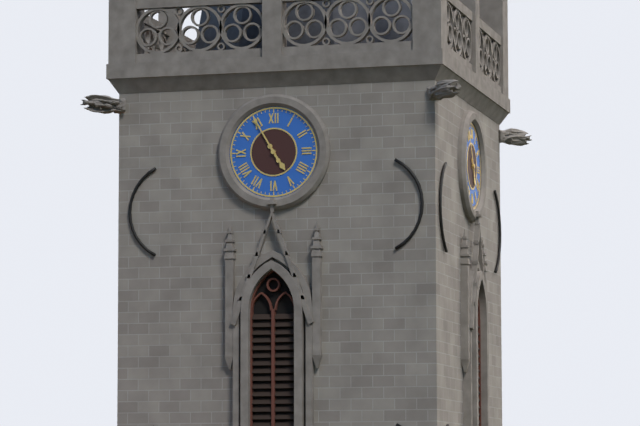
4.55
